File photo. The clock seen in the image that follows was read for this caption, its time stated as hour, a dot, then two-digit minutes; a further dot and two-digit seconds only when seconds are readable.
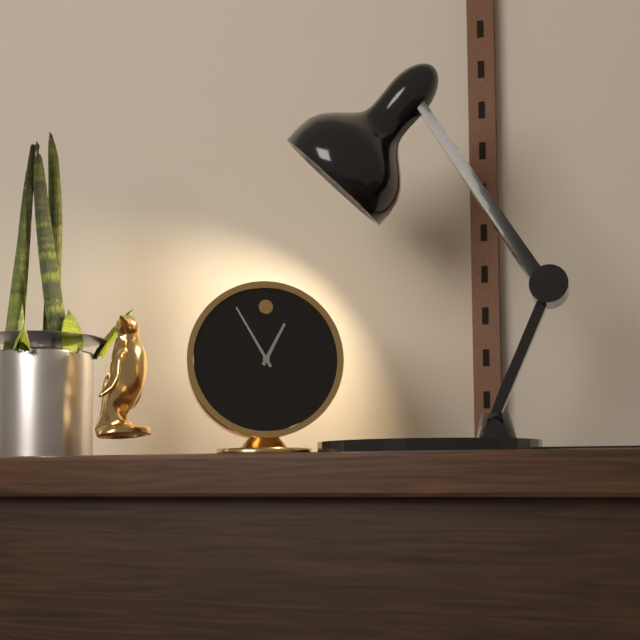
12.55
